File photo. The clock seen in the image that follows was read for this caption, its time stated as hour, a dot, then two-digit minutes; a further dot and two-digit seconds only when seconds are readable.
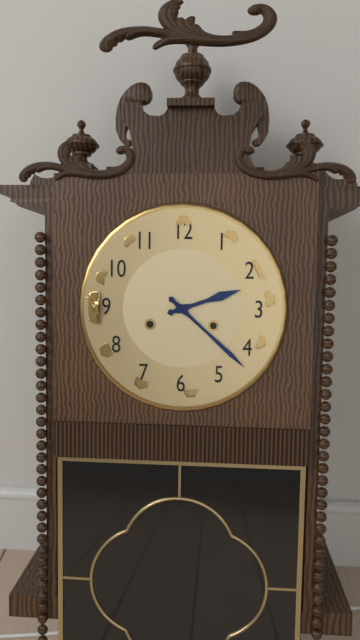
2.22
